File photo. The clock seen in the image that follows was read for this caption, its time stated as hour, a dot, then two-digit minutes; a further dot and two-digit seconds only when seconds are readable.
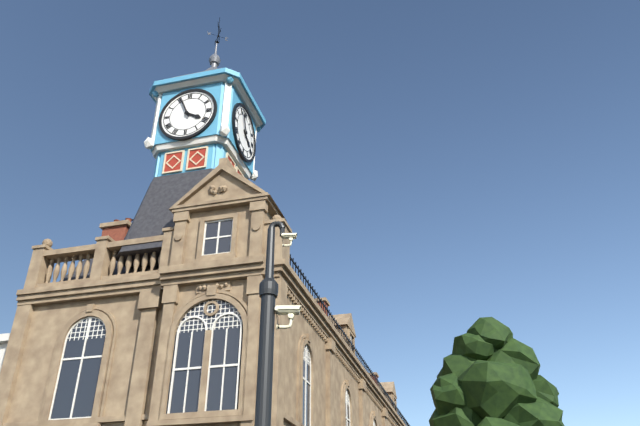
3.56
